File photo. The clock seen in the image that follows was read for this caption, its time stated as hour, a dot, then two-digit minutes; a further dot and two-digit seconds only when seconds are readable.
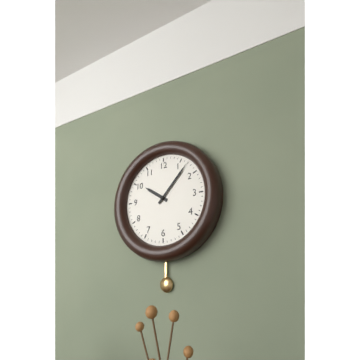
10.07
